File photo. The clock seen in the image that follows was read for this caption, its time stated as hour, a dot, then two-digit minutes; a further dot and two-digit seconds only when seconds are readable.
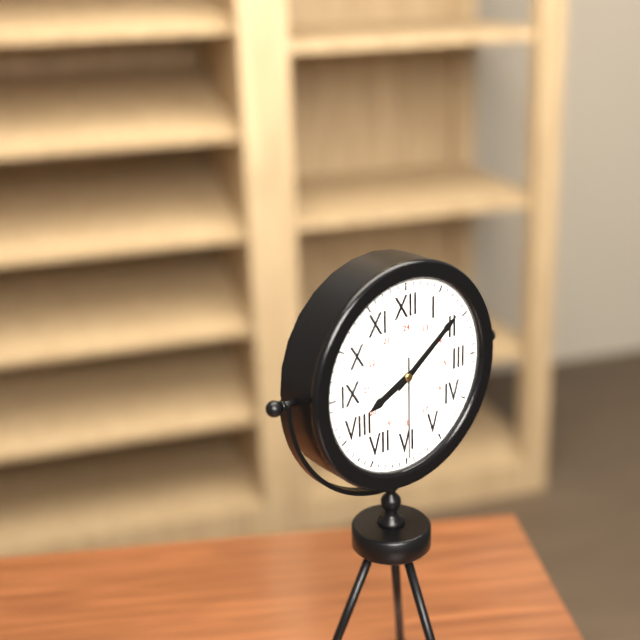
8.09.30
